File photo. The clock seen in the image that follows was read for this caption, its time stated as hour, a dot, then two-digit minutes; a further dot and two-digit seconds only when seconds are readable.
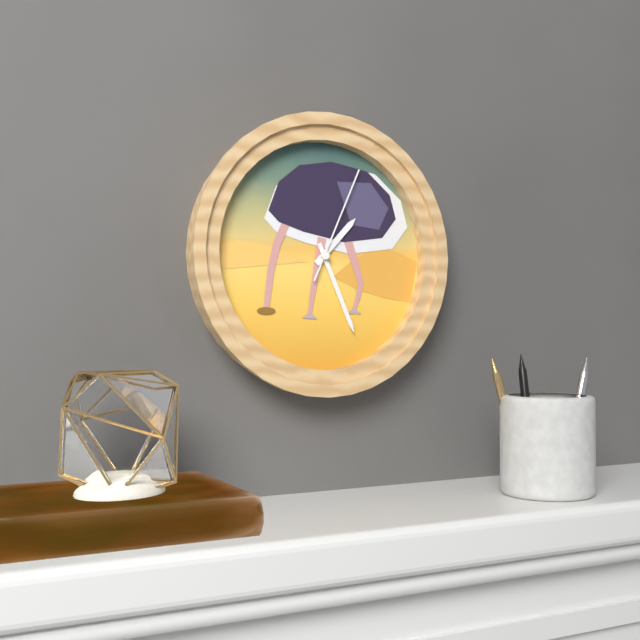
1.26.04
